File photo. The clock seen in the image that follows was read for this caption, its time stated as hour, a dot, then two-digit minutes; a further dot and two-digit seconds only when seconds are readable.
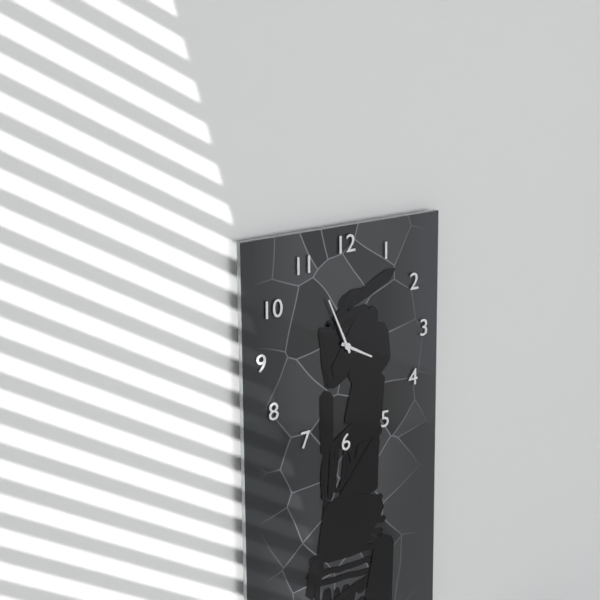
3.56
